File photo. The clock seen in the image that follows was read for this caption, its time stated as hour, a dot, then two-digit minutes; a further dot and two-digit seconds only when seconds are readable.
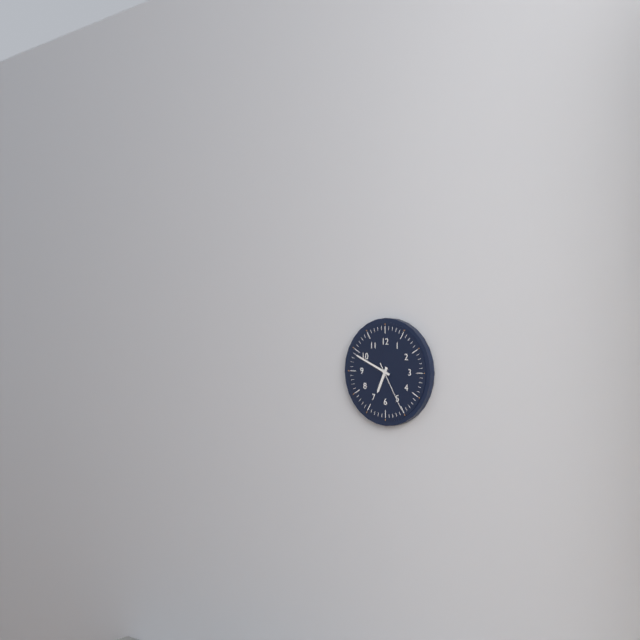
6.49.25
